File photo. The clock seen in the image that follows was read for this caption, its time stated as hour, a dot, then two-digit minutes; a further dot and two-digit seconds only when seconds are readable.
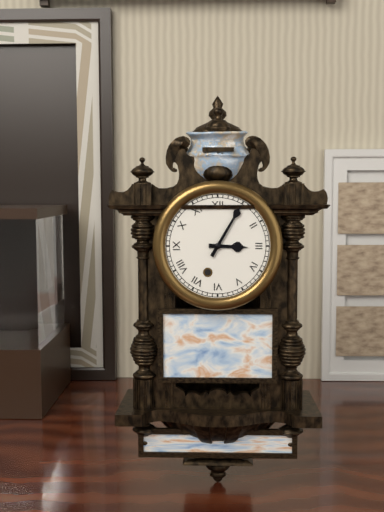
3.05
